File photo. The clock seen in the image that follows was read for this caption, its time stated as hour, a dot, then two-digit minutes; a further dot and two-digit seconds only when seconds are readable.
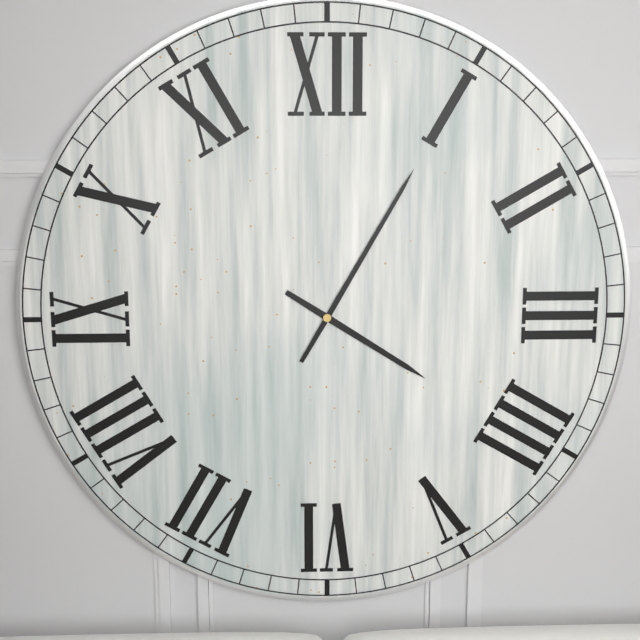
4.05
